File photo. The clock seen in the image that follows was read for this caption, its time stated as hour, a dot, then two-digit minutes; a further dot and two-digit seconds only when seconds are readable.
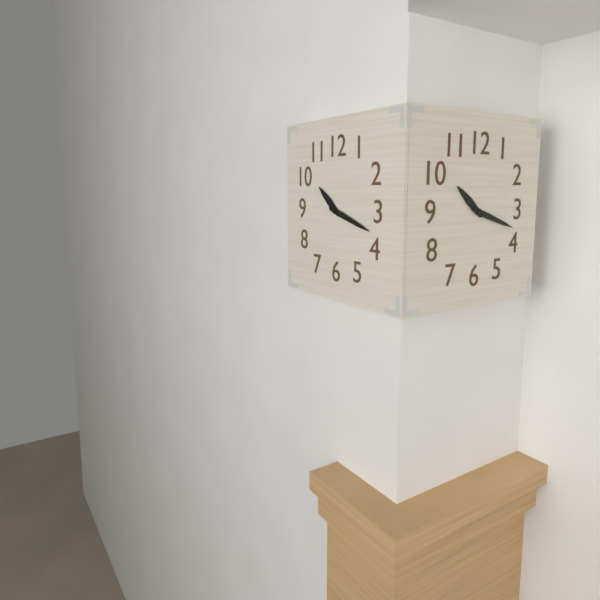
10.18
